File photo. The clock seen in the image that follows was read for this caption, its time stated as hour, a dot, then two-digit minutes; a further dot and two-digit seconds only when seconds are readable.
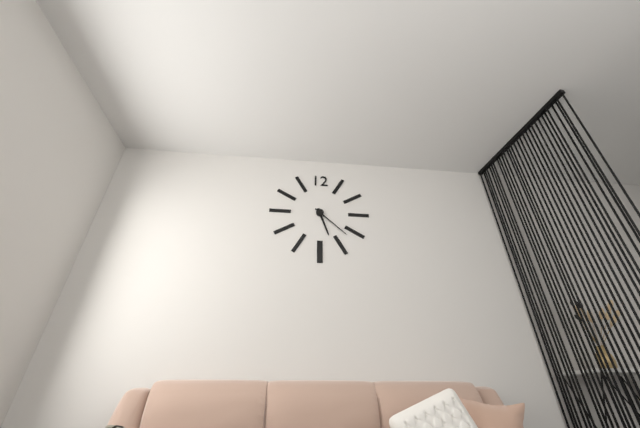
5.22
